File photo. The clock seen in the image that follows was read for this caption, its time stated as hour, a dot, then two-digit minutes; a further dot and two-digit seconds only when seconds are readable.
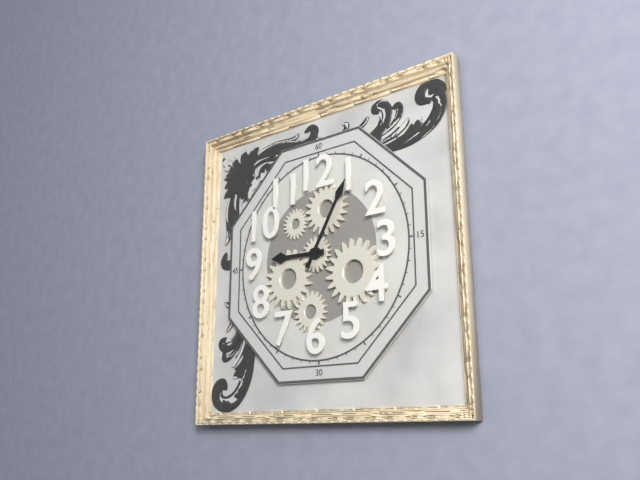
9.05
